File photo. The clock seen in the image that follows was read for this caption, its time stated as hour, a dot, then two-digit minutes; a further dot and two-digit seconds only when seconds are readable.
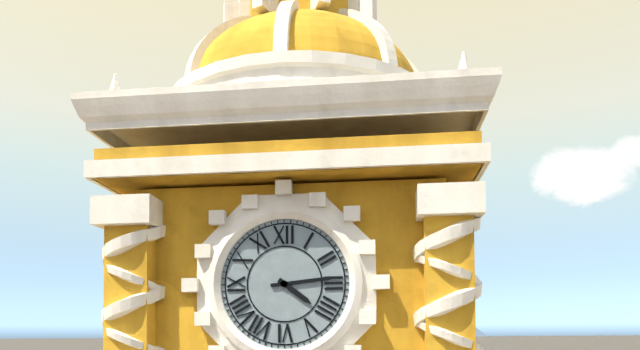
4.14
